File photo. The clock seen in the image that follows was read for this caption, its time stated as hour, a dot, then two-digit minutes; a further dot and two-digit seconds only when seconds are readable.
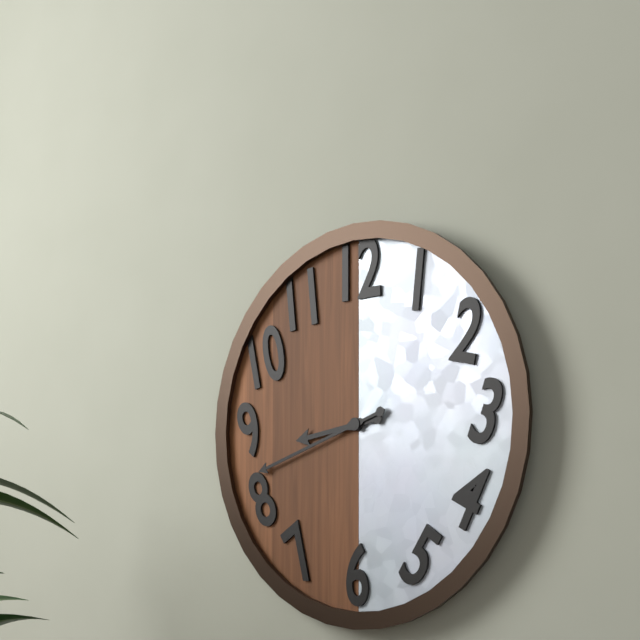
8.42
